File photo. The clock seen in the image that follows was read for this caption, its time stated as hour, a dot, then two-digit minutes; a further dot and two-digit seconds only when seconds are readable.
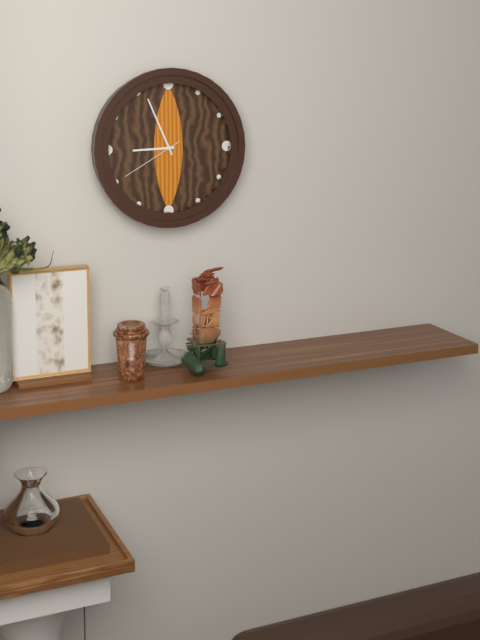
8.56.40
